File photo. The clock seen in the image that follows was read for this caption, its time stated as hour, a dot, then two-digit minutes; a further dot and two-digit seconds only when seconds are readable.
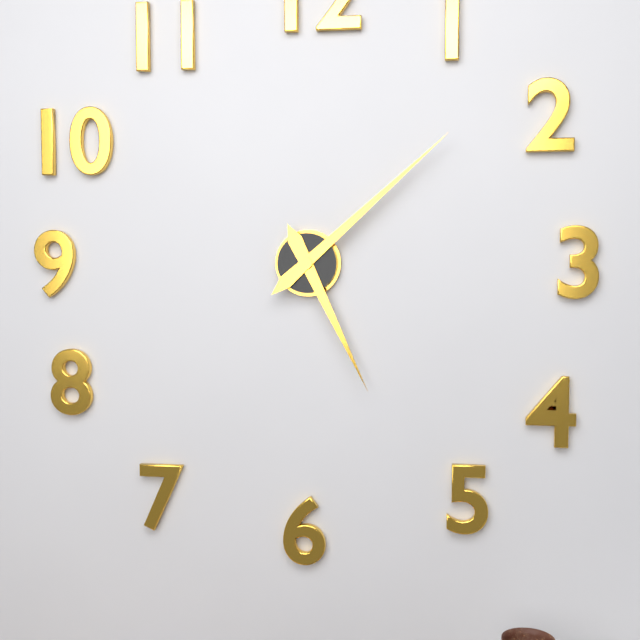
5.08
